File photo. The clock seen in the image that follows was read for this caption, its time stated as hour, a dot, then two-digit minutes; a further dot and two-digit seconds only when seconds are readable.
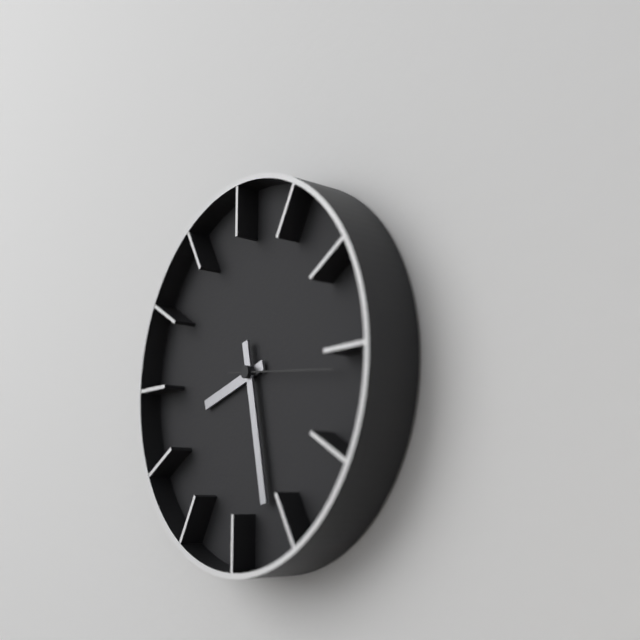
8.28.16
